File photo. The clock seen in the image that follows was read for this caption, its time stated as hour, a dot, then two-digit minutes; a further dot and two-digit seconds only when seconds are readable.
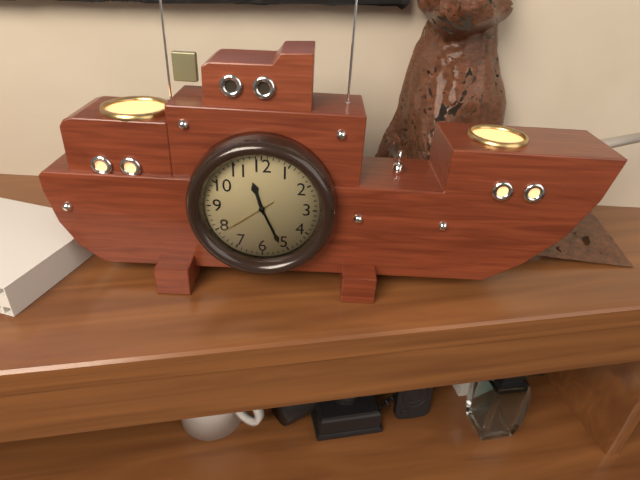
11.26.39
